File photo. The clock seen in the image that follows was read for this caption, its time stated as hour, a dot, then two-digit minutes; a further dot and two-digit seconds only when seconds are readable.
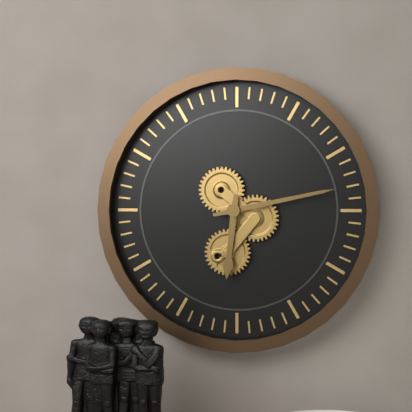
6.13
